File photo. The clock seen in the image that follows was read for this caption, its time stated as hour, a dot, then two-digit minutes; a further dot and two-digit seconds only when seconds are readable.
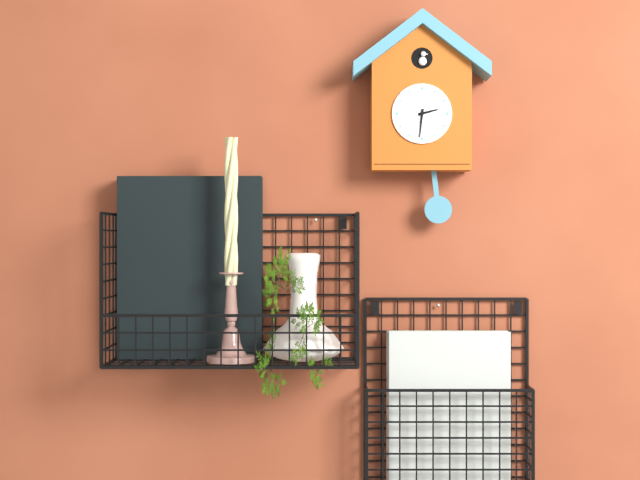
2.31
